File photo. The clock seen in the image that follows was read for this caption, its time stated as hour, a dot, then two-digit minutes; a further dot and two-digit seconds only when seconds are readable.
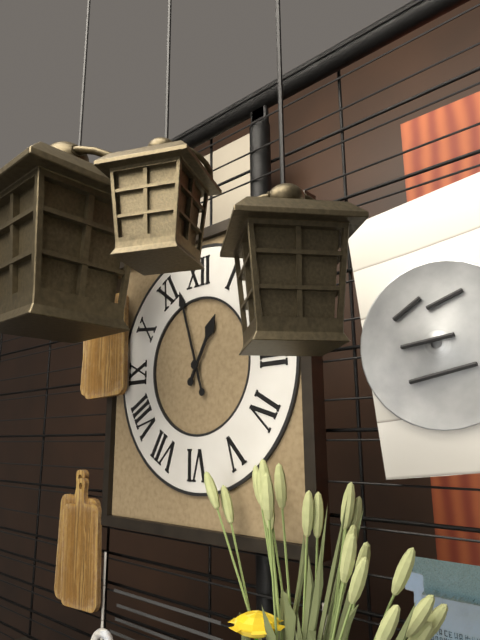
12.57
